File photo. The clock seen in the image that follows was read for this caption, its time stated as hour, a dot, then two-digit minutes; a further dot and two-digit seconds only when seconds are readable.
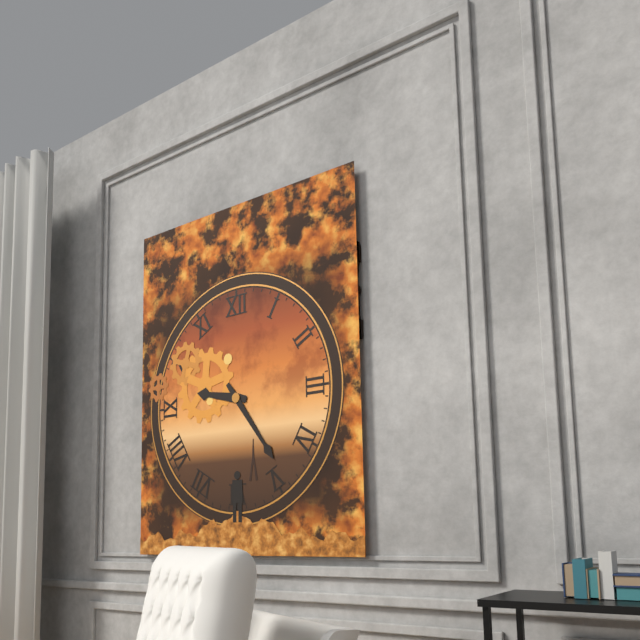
9.24
